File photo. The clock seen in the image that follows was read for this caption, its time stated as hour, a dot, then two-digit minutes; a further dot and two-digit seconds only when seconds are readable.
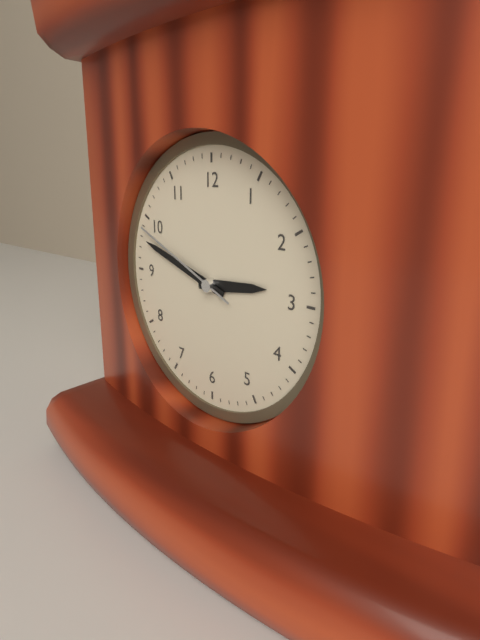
2.48.49
